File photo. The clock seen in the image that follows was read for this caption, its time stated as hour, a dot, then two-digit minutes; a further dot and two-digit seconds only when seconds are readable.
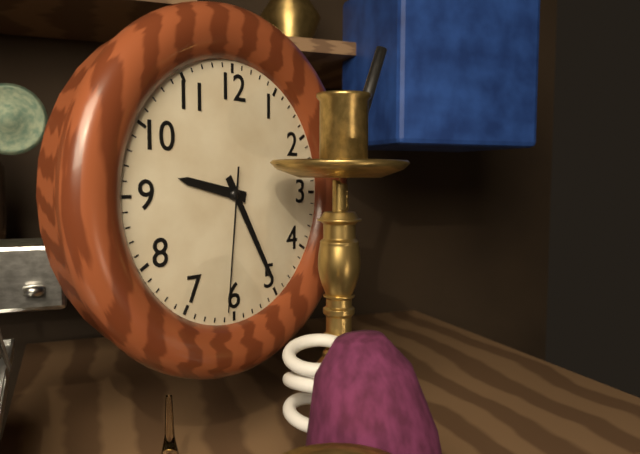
9.25.31
